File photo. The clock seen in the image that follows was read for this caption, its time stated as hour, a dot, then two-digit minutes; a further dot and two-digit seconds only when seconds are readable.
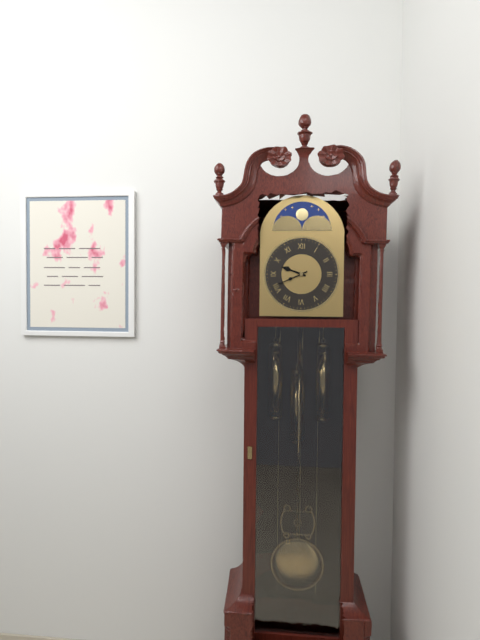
9.41
